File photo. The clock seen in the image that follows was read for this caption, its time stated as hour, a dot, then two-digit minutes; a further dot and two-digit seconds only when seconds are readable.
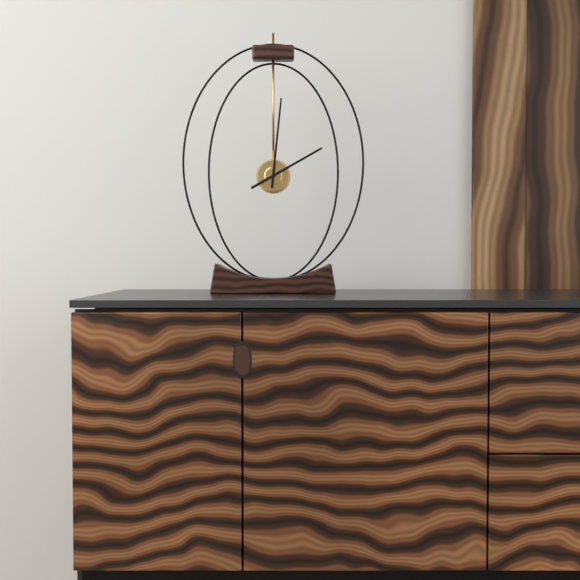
2.01
